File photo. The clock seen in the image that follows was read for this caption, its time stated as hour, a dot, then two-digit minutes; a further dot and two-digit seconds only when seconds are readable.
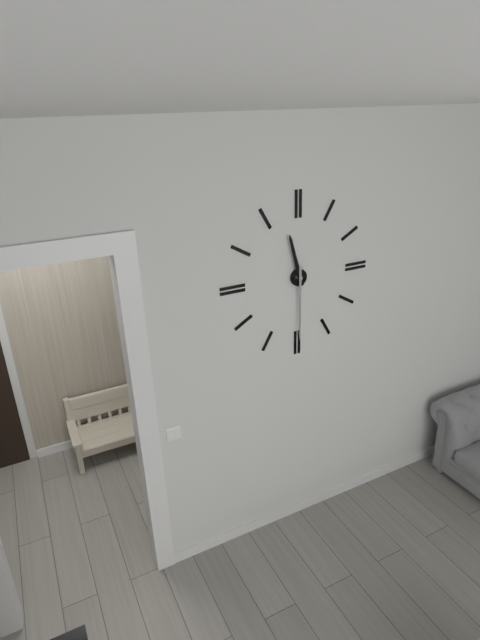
11.30
